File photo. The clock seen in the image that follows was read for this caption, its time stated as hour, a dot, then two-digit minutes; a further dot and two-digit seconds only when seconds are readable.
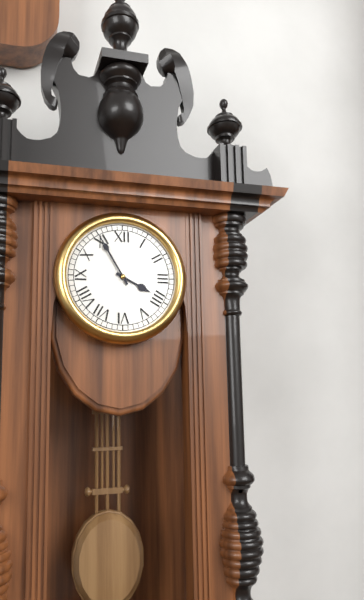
3.55
